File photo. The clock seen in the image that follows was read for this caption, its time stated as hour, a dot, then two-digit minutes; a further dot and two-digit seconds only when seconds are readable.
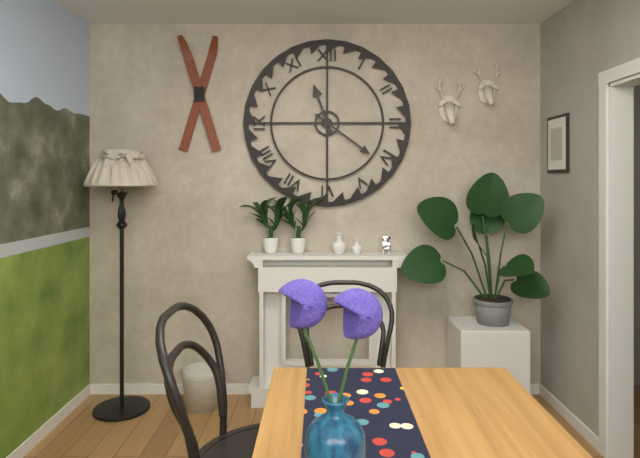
11.21
